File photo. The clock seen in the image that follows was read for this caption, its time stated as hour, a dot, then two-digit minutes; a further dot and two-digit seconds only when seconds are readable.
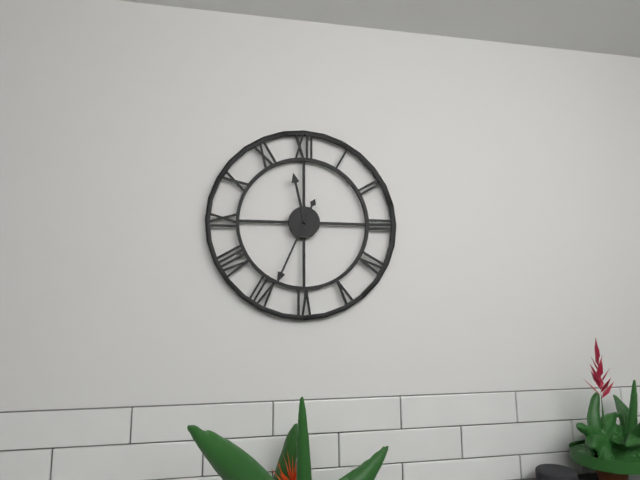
11.34
